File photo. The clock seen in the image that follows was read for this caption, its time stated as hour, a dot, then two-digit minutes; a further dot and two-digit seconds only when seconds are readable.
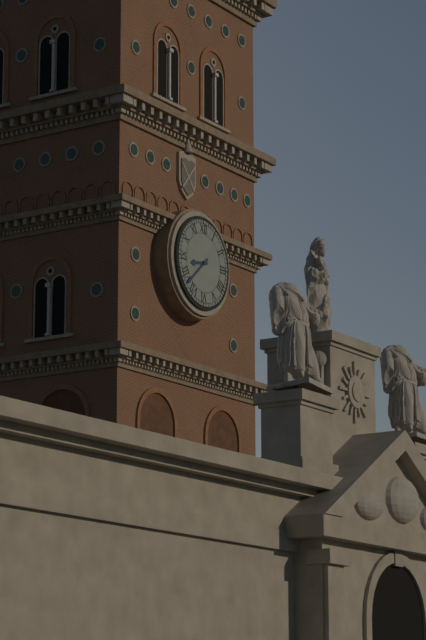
8.38
